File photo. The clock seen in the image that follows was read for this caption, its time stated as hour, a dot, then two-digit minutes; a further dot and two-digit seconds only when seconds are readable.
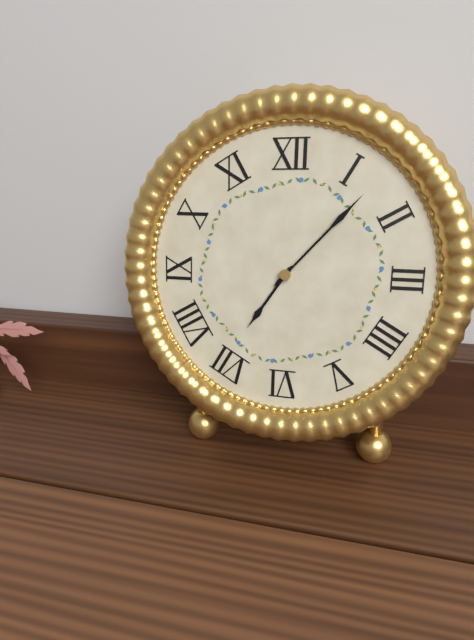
7.07
